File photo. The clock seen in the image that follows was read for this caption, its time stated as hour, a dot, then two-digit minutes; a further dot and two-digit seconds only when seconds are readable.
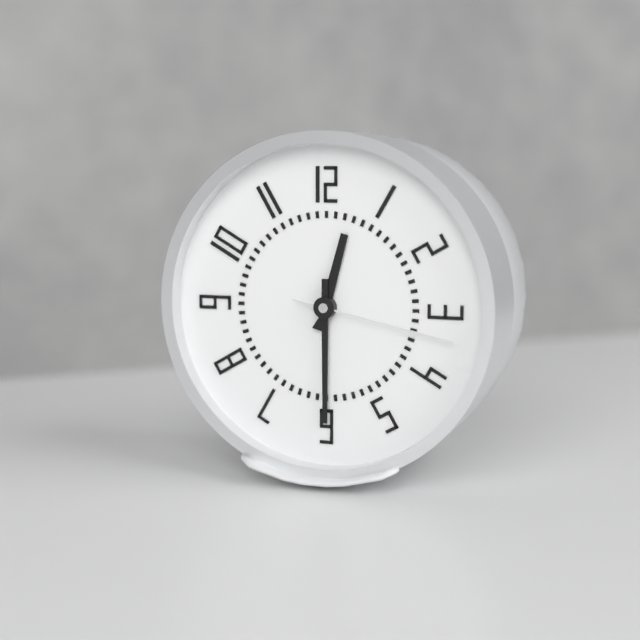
12.30.17
